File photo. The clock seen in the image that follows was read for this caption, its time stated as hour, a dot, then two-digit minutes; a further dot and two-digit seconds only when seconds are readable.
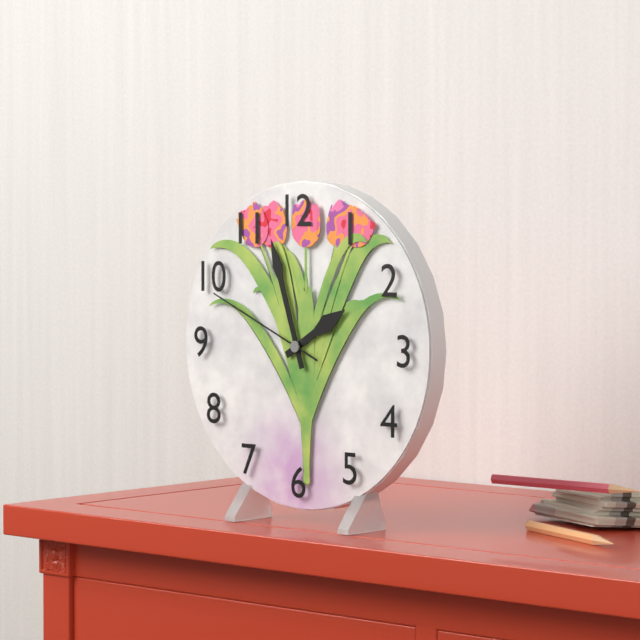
1.57.49
